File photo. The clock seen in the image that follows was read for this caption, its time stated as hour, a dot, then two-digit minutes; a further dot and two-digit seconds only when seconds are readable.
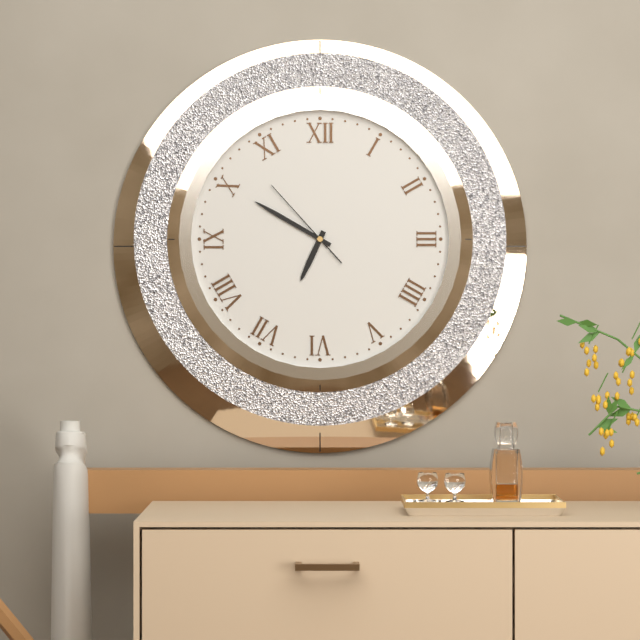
6.50.53
